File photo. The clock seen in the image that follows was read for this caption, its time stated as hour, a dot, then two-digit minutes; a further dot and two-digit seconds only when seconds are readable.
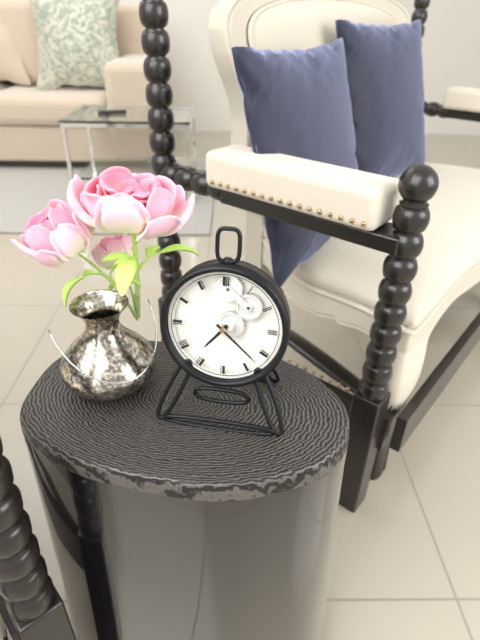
7.22
